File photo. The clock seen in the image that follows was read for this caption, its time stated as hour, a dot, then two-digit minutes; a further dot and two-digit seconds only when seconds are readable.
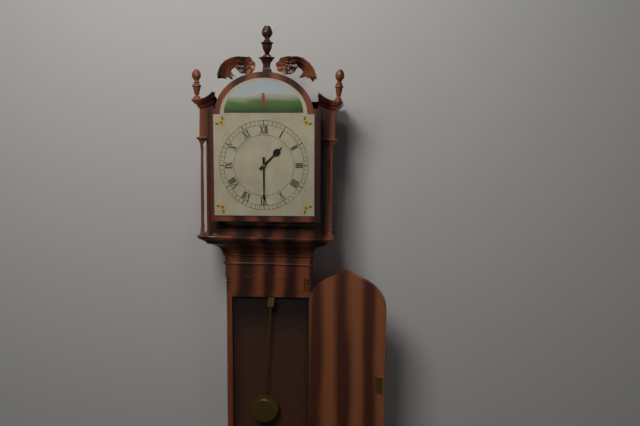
1.30
